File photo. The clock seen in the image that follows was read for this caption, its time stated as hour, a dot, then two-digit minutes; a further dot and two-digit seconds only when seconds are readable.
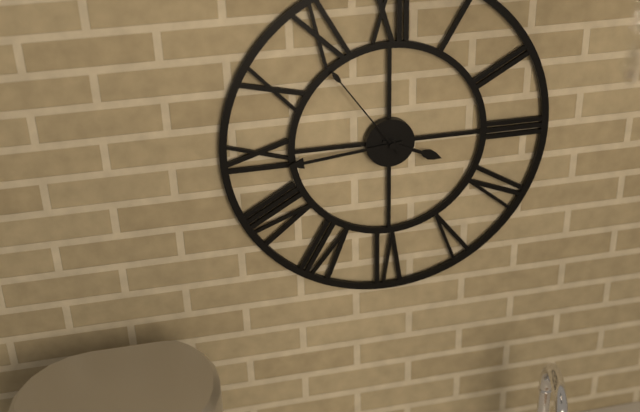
3.44.54
